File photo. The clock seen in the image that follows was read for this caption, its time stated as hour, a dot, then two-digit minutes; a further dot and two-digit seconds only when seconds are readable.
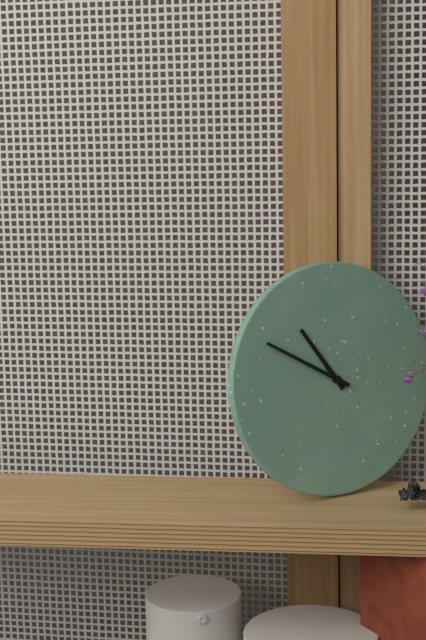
10.50
